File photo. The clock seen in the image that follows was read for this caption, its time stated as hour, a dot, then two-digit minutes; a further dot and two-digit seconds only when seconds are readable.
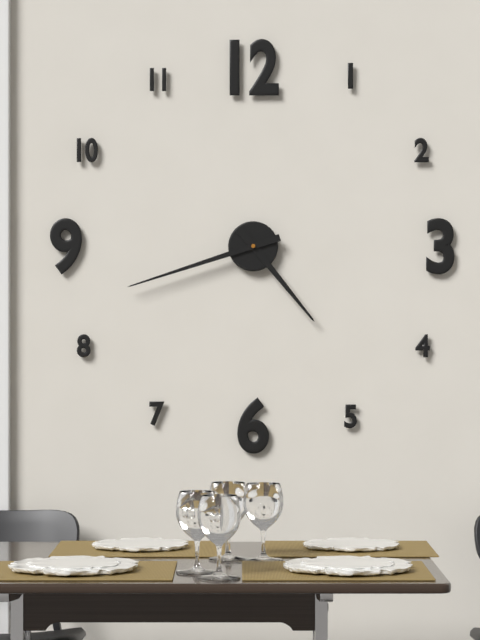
4.42
